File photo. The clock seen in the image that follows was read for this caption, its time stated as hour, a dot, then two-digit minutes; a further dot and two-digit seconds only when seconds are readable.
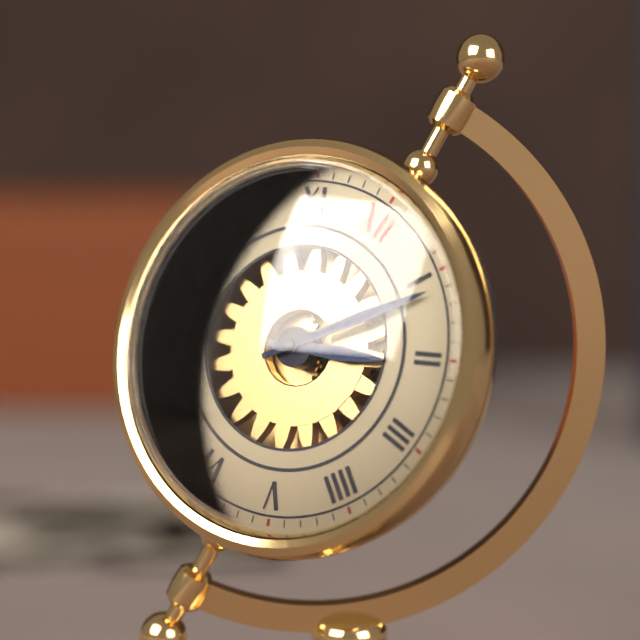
2.06
